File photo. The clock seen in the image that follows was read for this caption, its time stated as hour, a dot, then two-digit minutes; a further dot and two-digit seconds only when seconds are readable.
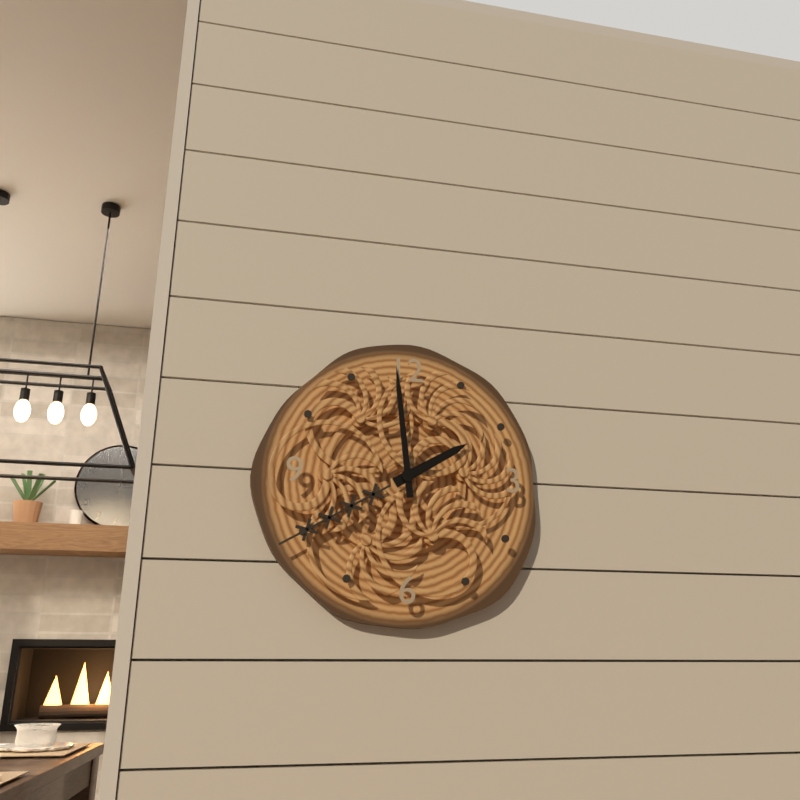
1.59
